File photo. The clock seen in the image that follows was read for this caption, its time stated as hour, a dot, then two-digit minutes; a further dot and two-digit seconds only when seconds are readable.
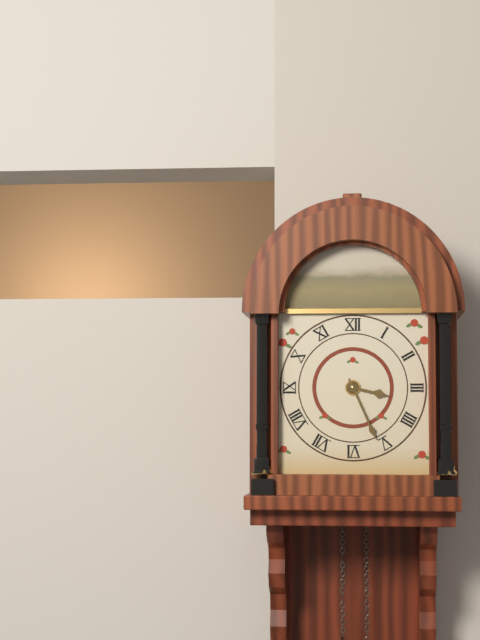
3.26
